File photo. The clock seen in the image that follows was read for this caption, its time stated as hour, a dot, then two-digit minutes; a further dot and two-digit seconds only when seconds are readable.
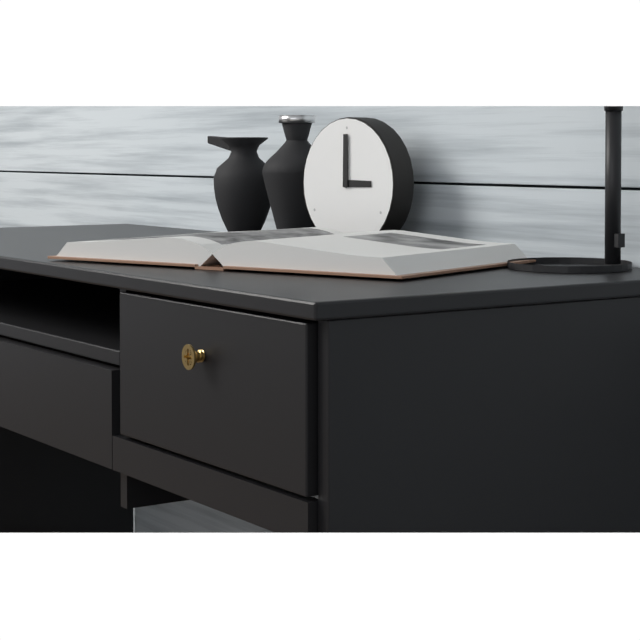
3.00
